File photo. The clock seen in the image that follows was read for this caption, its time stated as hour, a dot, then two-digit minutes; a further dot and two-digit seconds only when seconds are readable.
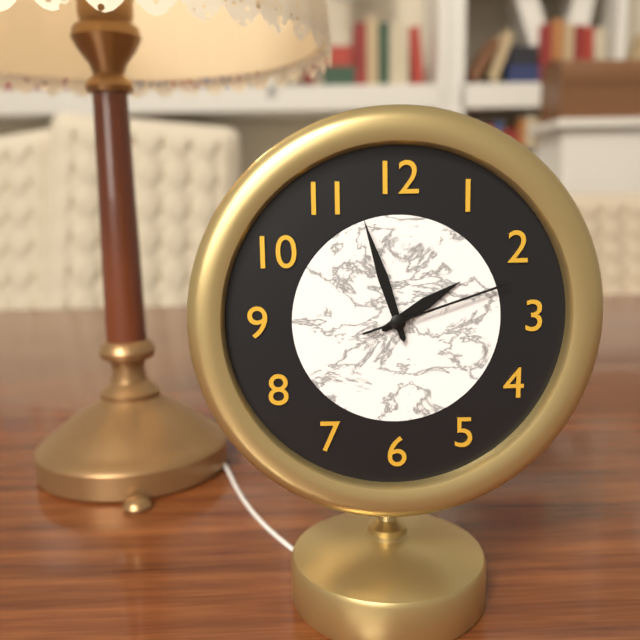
1.57.12
